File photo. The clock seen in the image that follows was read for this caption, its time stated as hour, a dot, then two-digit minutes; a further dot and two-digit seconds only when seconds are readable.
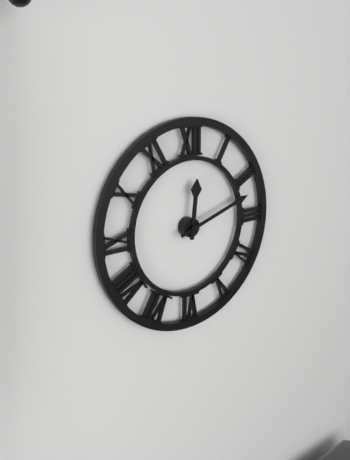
12.12
